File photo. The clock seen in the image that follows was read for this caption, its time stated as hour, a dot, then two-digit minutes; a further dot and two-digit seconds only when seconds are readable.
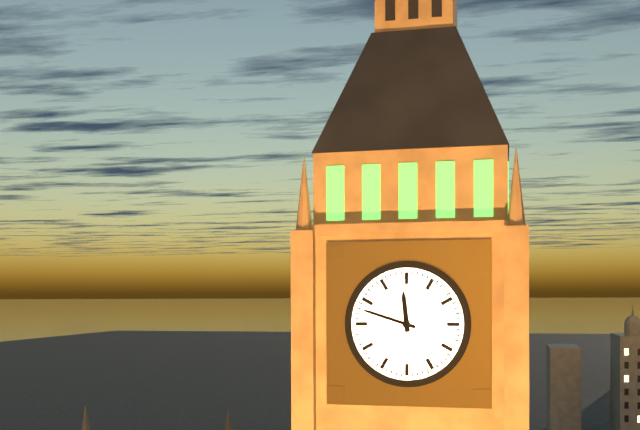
11.48
